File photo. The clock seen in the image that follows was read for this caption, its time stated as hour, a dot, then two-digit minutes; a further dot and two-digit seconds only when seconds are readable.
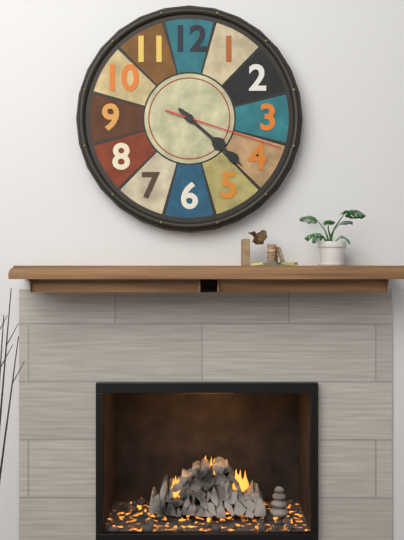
4.22.18
